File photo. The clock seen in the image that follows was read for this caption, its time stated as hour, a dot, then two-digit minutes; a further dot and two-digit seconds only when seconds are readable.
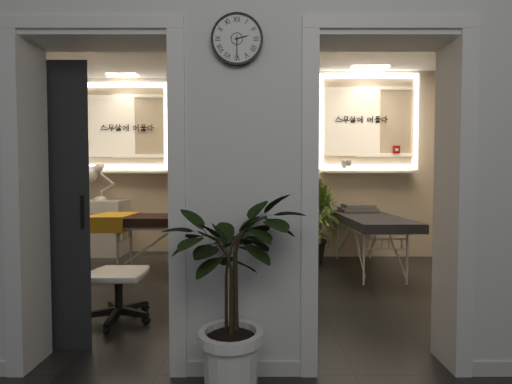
2.30
